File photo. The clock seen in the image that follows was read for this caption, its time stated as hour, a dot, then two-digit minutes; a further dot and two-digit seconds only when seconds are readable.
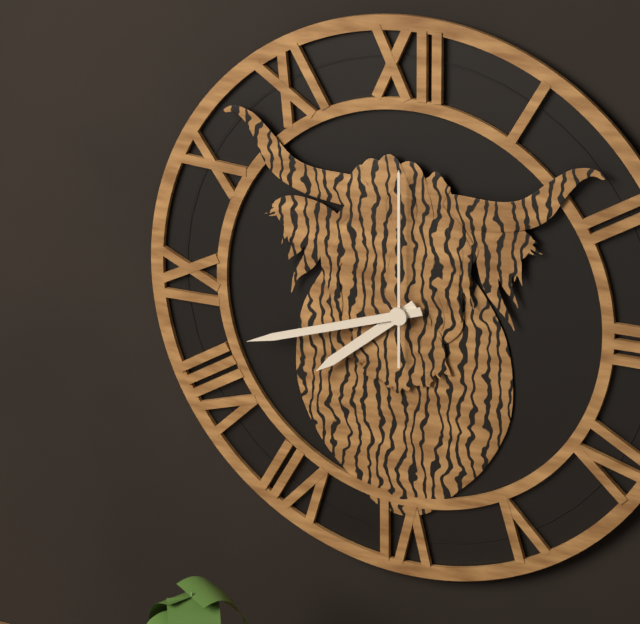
7.42.00
